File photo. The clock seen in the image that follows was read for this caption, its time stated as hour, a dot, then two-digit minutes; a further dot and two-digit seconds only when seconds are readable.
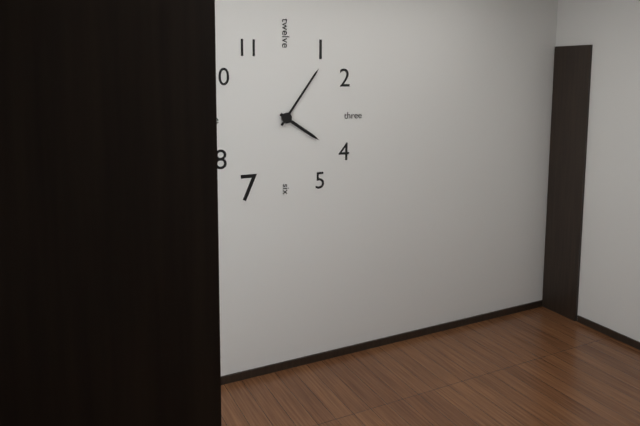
4.06
